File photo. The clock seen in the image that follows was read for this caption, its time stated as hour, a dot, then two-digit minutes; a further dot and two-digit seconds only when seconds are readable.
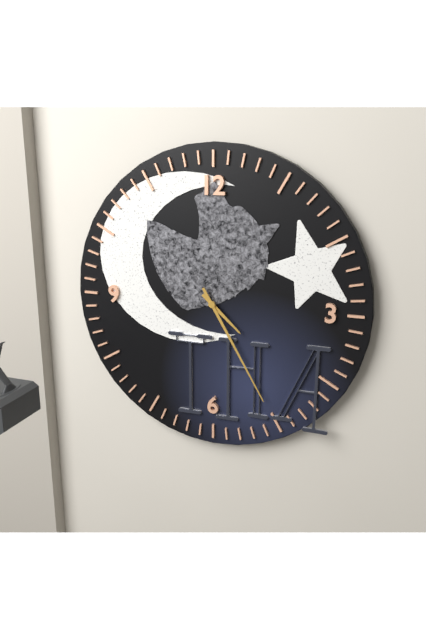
4.25
